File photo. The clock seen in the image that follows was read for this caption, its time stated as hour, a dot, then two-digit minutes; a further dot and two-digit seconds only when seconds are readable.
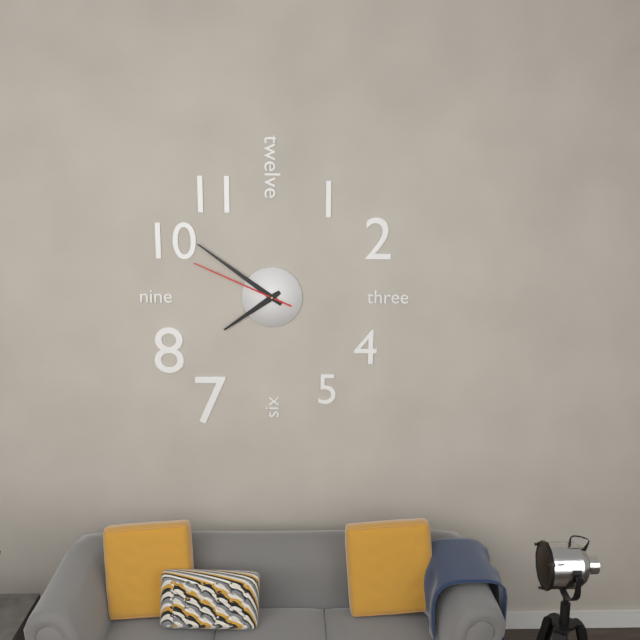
7.51.49
